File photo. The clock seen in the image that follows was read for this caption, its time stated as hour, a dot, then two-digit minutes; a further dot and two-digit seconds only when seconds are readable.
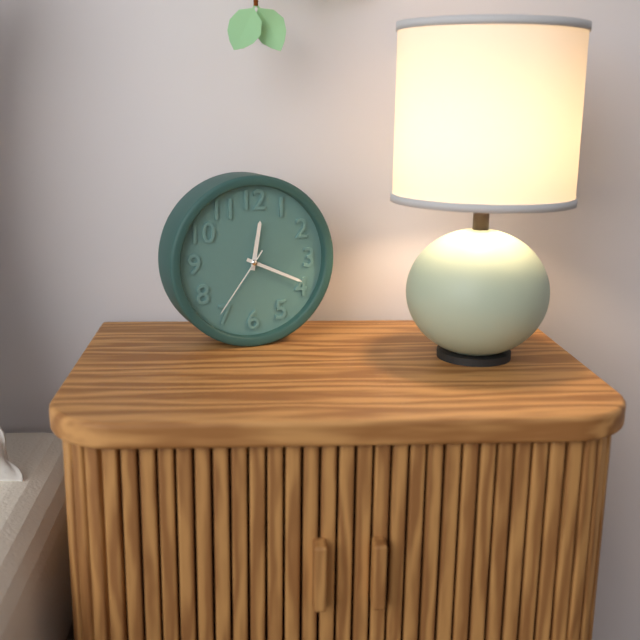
12.19.36
